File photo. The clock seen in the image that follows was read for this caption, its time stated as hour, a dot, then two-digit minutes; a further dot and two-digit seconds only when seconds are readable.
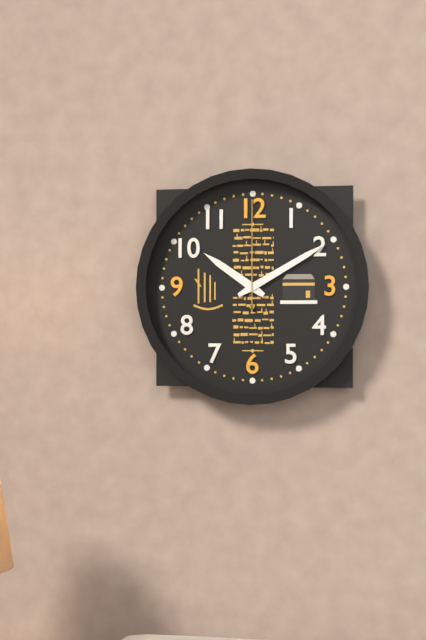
10.10.00
